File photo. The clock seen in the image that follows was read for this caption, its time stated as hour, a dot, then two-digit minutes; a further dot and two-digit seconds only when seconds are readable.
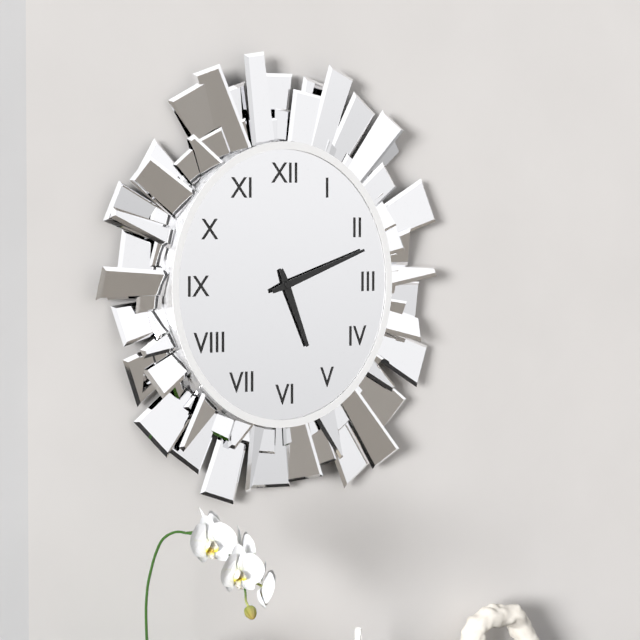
5.12
